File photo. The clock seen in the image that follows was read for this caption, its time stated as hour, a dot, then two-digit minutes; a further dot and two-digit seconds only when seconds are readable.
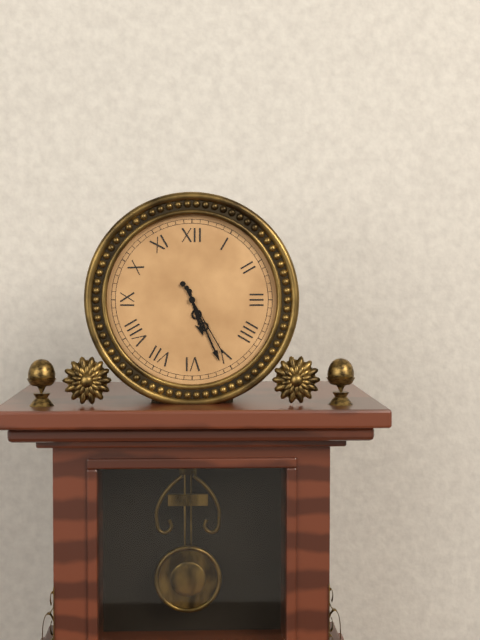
5.26.25
